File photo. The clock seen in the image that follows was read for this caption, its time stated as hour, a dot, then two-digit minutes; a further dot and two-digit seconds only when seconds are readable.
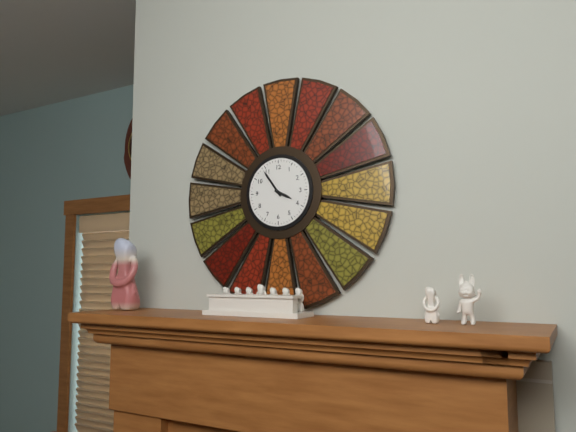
3.54
